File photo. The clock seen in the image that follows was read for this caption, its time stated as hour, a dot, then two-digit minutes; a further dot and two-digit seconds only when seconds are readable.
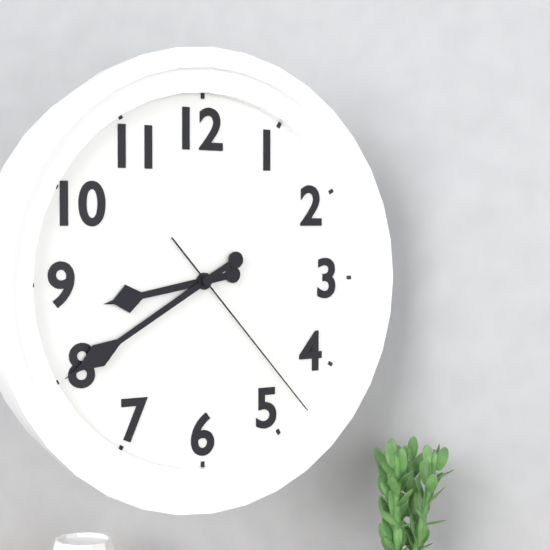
8.40.23
